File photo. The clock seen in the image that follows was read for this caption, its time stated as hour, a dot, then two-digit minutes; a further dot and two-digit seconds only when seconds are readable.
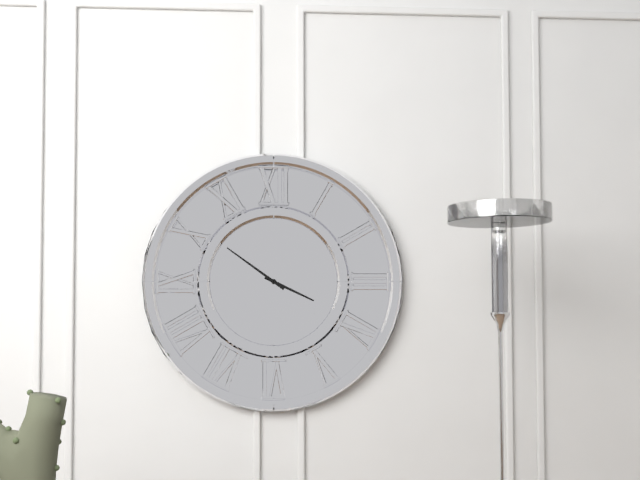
3.51
